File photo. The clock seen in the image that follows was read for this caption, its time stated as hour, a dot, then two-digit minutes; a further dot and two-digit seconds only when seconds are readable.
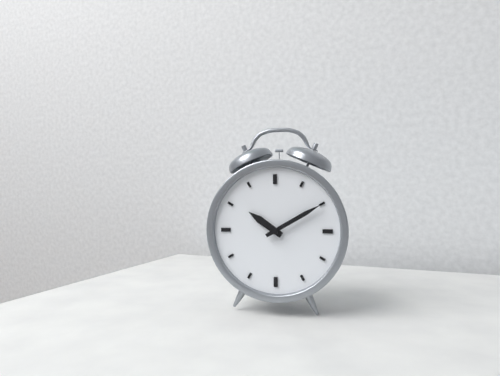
10.10
